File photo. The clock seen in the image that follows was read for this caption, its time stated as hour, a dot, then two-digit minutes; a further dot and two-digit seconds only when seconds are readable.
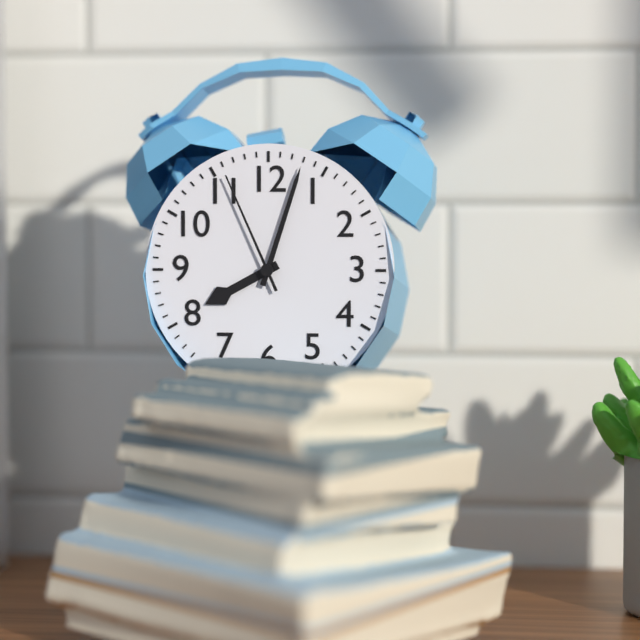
8.03.56
